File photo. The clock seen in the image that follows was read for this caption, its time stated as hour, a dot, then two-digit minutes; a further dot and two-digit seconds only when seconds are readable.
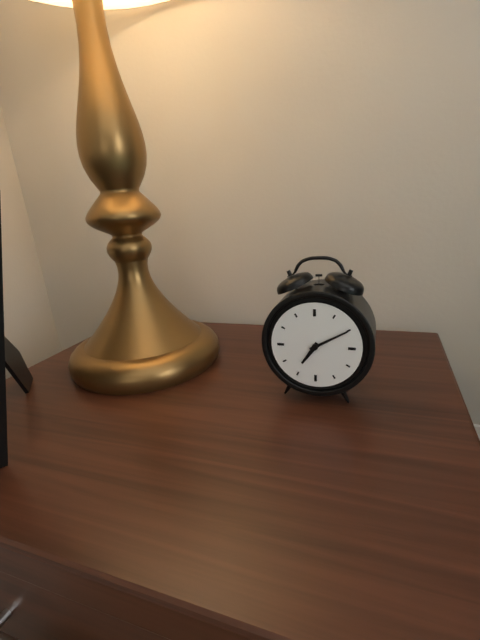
7.10
